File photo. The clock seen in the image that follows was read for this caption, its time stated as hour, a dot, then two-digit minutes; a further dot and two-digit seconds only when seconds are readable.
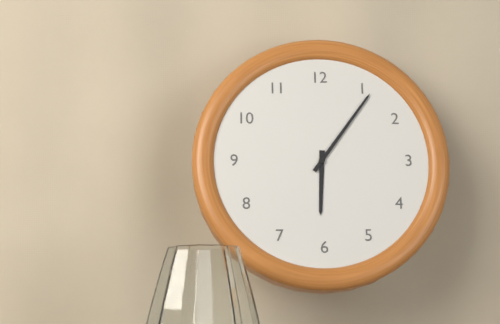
6.06
